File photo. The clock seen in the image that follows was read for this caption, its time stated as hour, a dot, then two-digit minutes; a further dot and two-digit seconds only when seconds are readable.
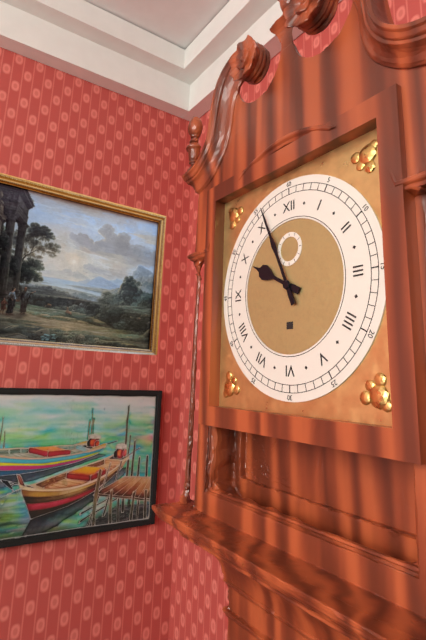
9.56
